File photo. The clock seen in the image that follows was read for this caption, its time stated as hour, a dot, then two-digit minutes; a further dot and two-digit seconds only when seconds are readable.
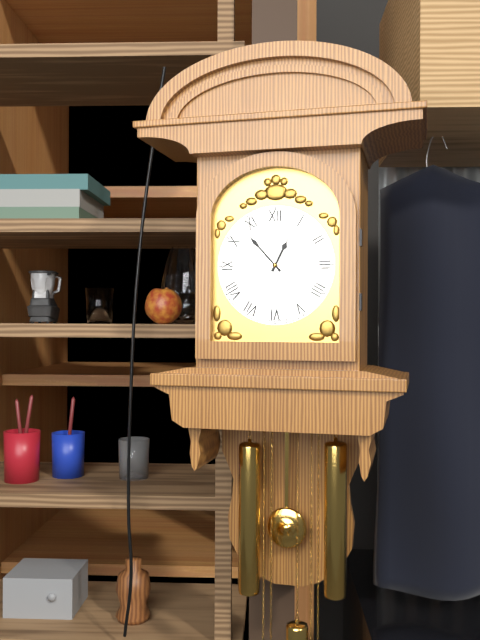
12.53
